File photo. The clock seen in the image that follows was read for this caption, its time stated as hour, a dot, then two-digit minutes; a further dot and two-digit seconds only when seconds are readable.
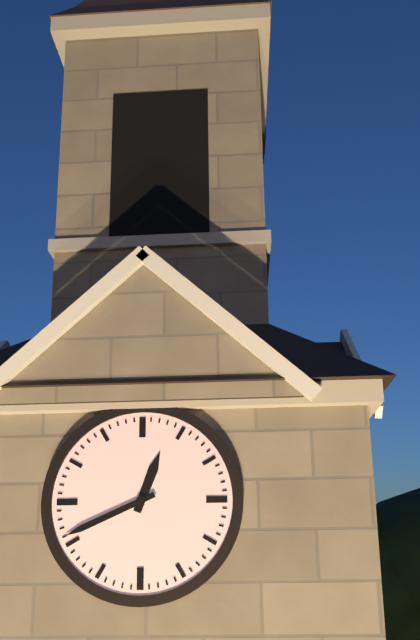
12.41
